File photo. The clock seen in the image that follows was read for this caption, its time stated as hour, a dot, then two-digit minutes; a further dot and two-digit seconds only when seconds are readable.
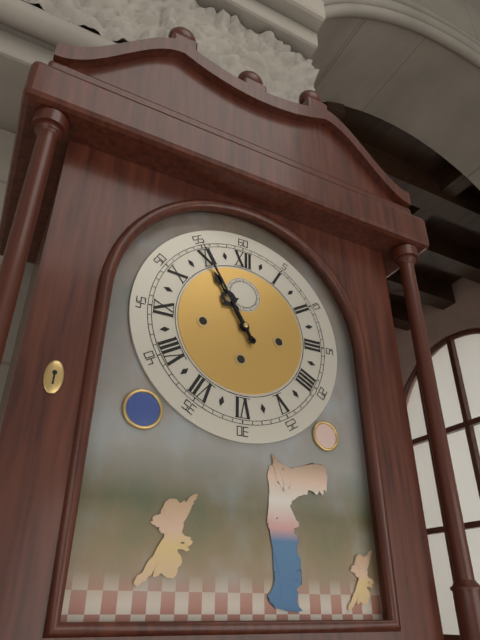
10.55
